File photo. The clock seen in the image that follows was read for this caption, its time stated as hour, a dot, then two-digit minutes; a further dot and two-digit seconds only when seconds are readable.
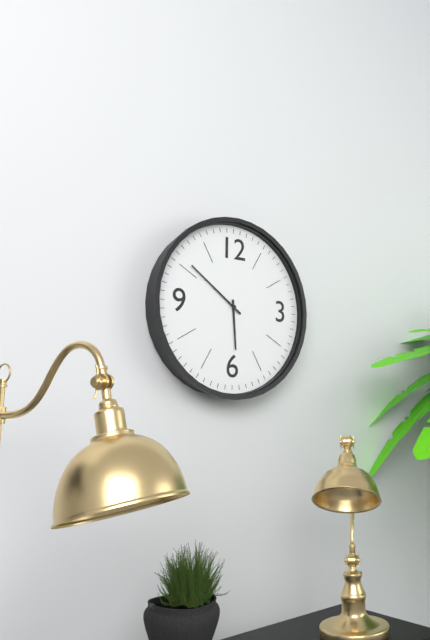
5.51
